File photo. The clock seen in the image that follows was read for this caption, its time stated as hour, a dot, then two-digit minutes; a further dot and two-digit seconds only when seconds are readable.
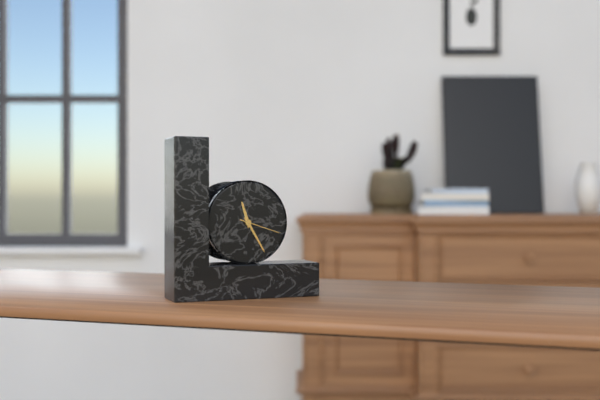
11.25
